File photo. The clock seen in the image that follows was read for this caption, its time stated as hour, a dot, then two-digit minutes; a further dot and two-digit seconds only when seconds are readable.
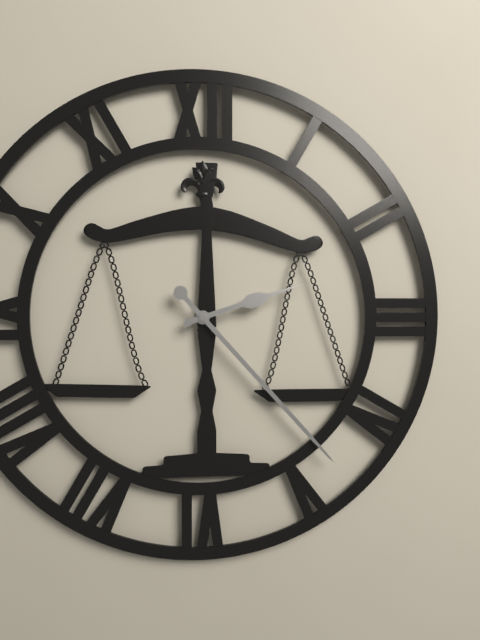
2.23
